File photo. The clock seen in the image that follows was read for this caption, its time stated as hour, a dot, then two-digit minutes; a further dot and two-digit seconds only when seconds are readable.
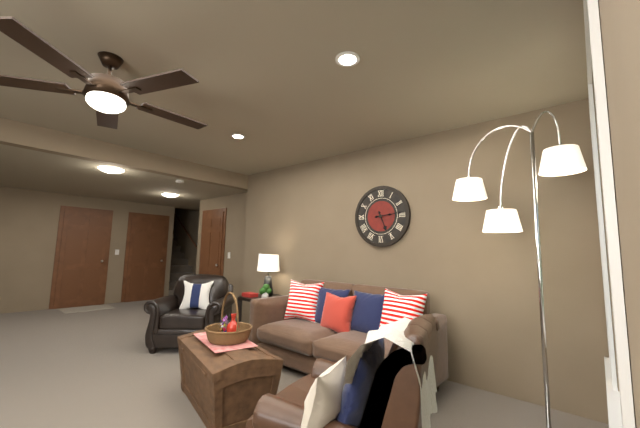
5.14
